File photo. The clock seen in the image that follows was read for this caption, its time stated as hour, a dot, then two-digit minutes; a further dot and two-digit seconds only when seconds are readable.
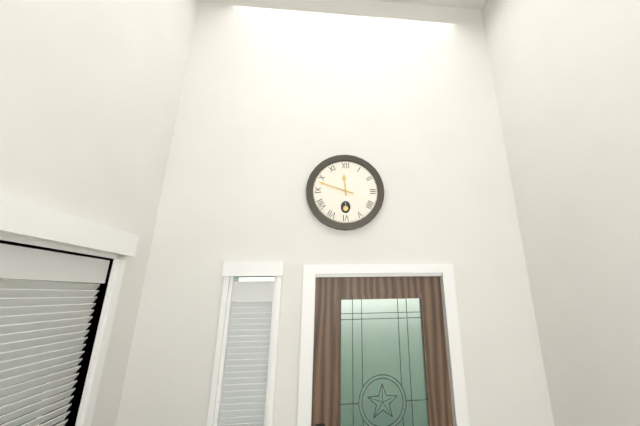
11.48
